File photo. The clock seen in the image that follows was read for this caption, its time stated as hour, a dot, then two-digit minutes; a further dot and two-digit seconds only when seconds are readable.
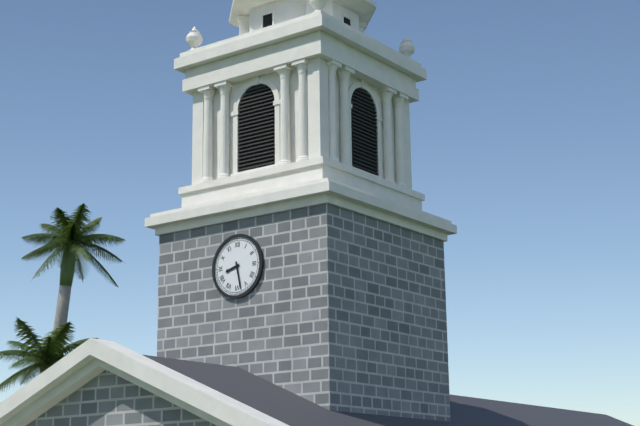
8.28
